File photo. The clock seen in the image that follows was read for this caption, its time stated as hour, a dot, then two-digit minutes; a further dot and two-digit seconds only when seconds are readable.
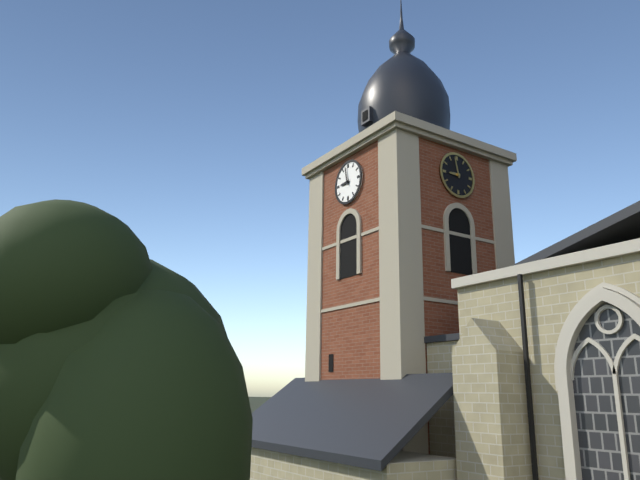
8.58
